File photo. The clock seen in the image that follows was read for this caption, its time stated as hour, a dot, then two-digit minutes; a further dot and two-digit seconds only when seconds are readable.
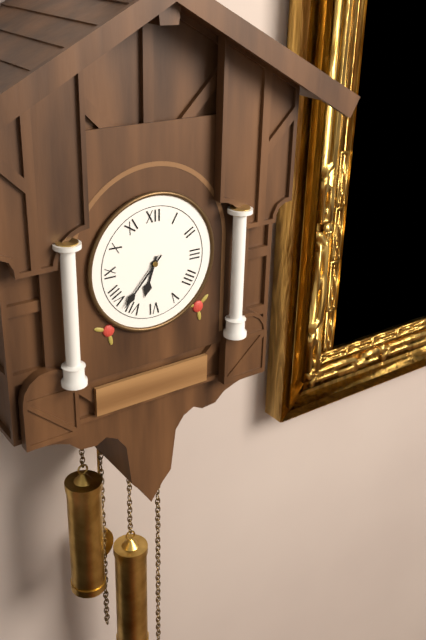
6.37
